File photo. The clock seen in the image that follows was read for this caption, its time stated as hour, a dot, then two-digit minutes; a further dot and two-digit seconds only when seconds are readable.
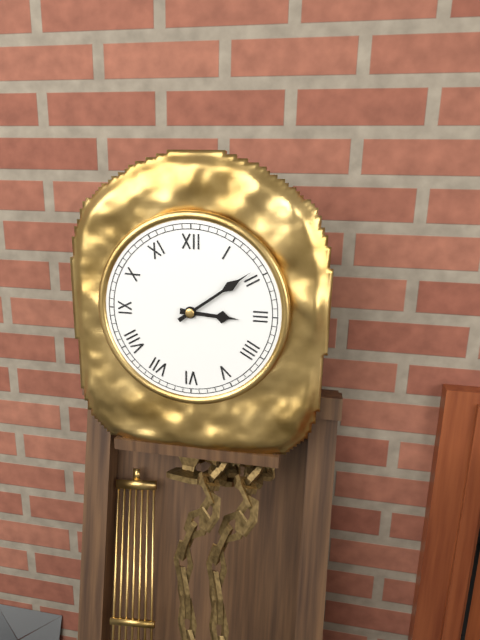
3.09
